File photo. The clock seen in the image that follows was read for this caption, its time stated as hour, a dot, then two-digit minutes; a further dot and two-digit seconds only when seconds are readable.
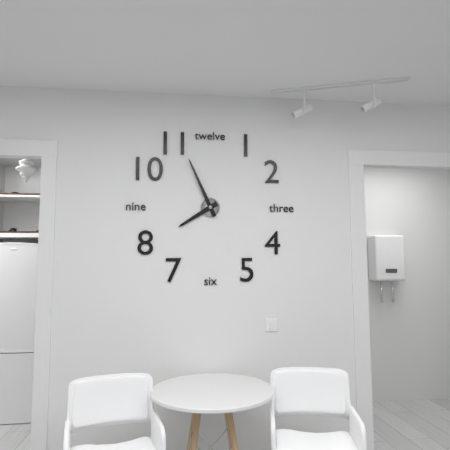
7.56
